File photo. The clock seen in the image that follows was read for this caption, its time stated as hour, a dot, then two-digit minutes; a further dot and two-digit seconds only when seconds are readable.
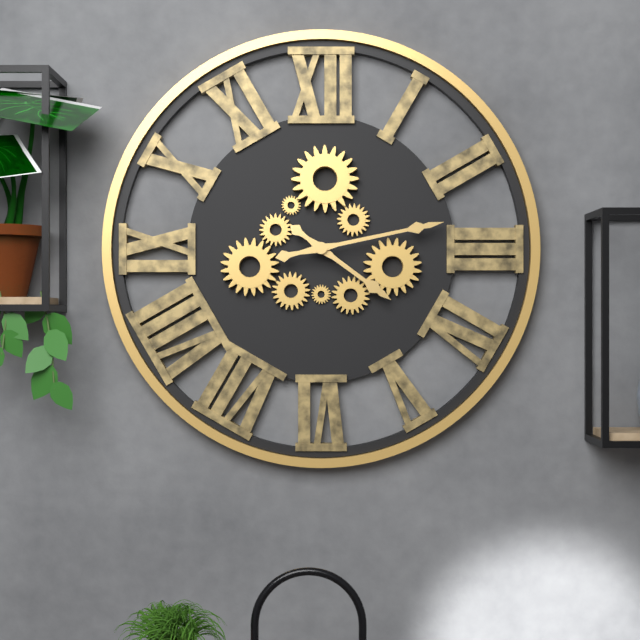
4.13
